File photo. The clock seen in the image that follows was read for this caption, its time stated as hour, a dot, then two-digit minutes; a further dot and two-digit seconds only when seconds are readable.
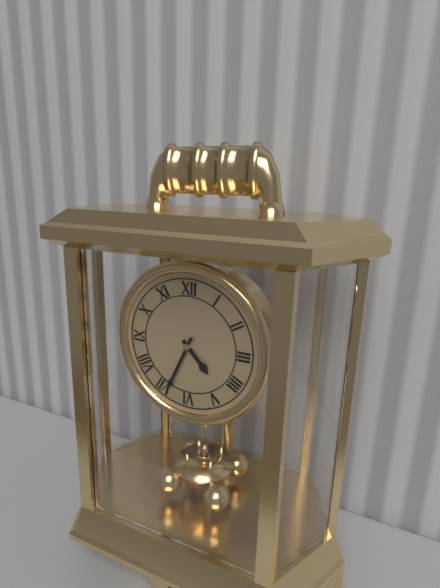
4.34
